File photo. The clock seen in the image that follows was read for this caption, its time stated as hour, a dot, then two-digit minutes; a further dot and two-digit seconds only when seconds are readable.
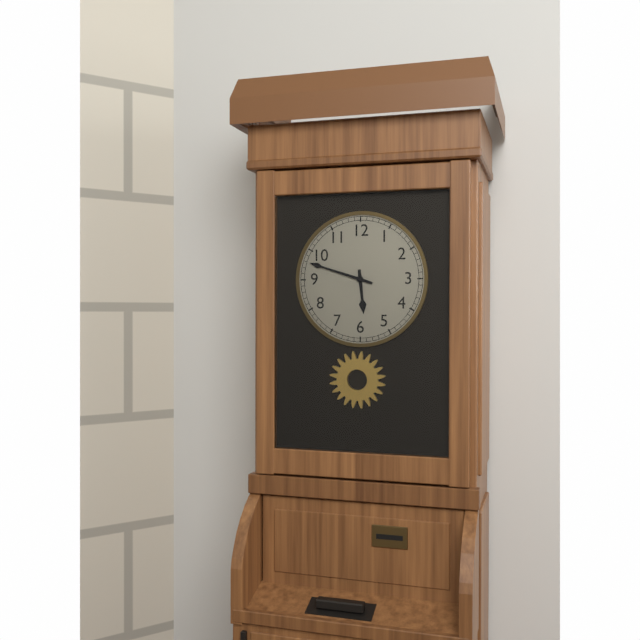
5.48
